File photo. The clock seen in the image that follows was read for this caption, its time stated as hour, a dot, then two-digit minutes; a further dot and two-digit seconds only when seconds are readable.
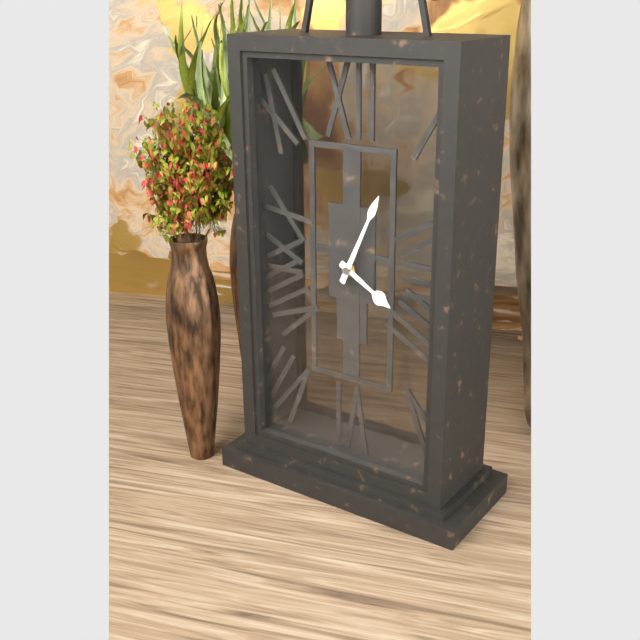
4.04
